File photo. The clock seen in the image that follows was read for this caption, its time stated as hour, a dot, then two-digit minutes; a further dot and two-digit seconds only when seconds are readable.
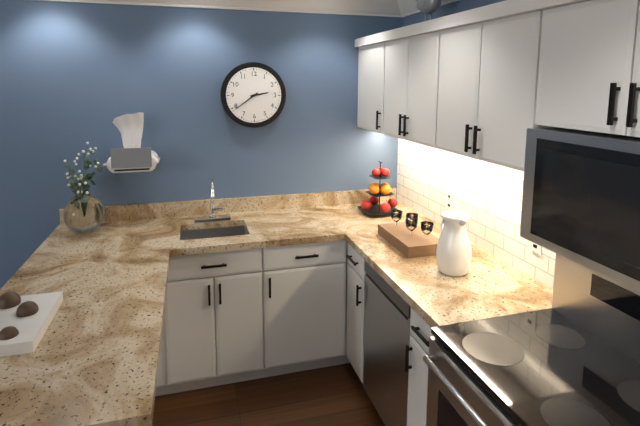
2.39
